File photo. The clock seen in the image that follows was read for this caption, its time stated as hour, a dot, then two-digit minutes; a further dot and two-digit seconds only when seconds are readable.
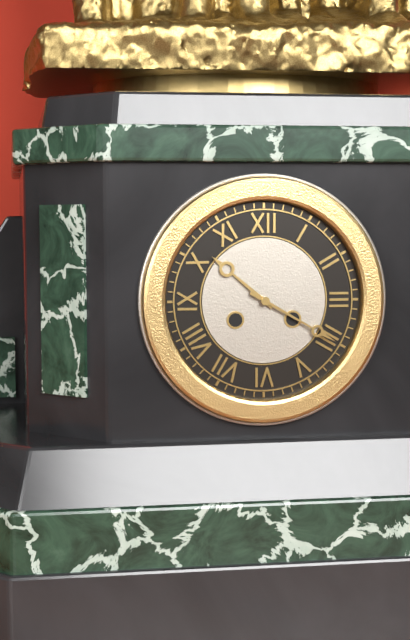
10.20
